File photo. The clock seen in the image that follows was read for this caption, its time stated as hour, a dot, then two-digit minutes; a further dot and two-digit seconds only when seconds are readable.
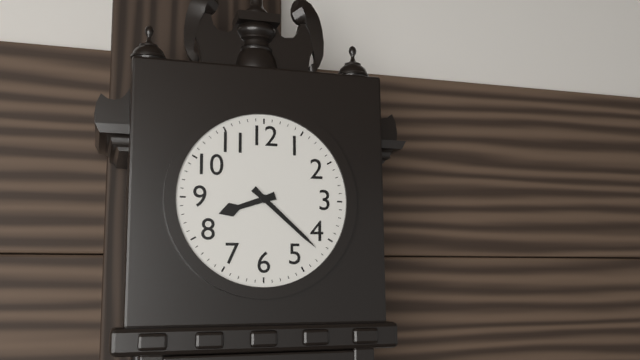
8.22
